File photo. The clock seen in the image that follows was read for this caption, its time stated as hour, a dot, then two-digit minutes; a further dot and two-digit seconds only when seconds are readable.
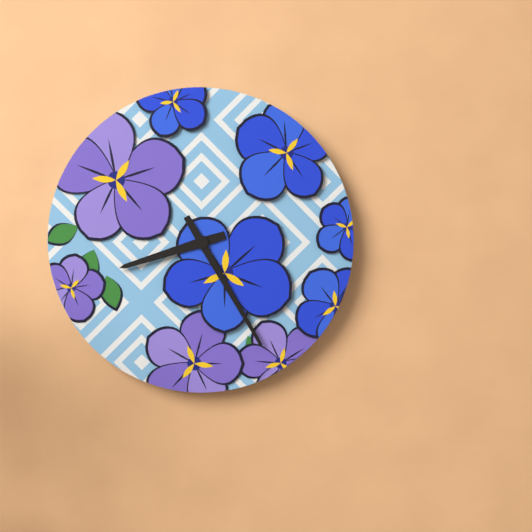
8.25
